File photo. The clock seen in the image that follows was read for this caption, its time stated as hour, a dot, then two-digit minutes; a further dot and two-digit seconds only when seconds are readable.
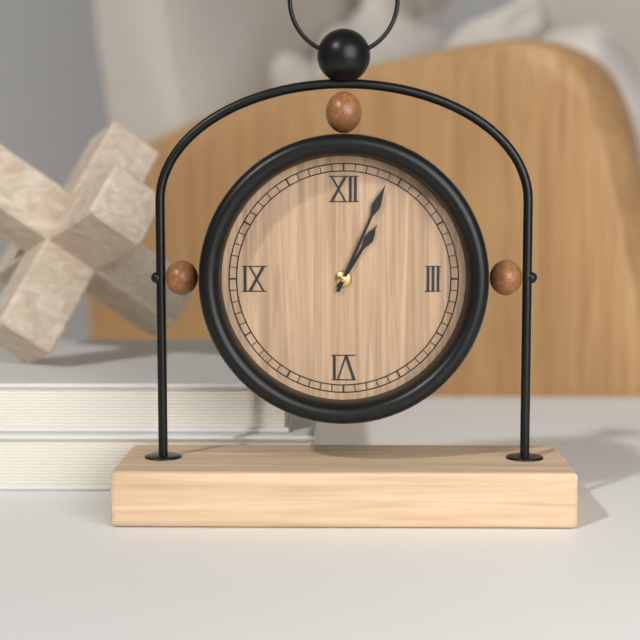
1.04
